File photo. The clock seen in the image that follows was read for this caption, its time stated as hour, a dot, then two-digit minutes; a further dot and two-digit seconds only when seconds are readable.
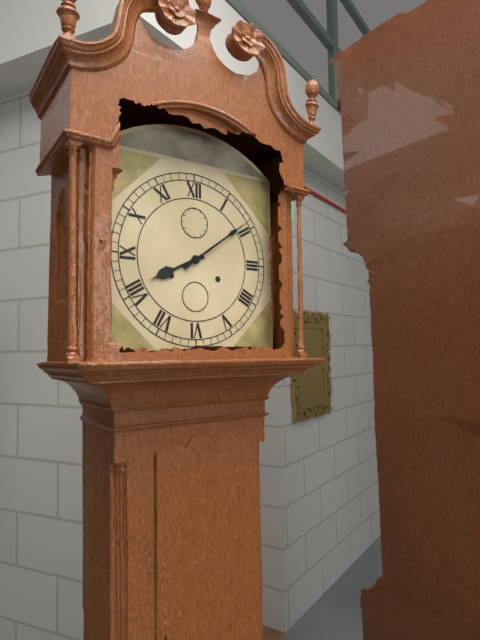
8.09
